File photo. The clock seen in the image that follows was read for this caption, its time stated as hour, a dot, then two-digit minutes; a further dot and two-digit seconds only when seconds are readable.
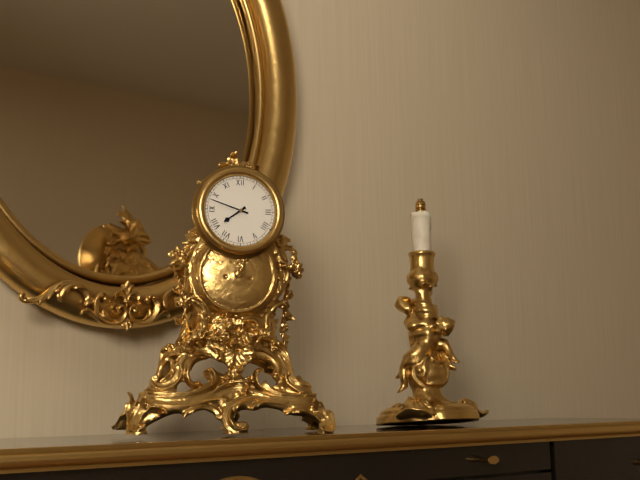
7.48
